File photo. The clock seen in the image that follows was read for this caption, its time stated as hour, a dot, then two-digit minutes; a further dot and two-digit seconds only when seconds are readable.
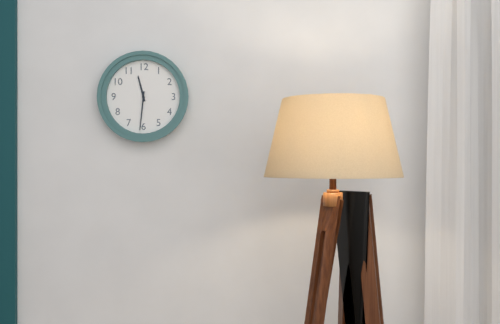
11.31
